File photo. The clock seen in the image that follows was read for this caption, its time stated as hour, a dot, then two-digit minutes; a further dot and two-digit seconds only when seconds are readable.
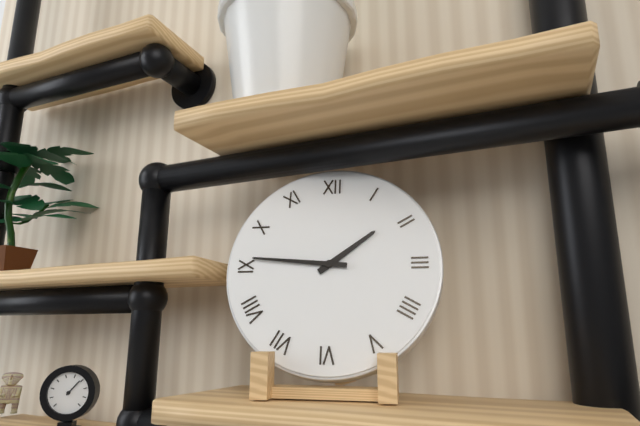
1.46
